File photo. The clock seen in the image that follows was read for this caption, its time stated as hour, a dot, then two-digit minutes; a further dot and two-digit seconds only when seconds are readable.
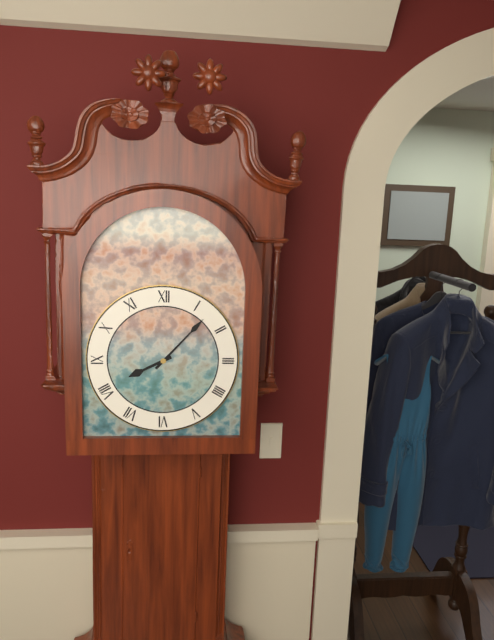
8.07
